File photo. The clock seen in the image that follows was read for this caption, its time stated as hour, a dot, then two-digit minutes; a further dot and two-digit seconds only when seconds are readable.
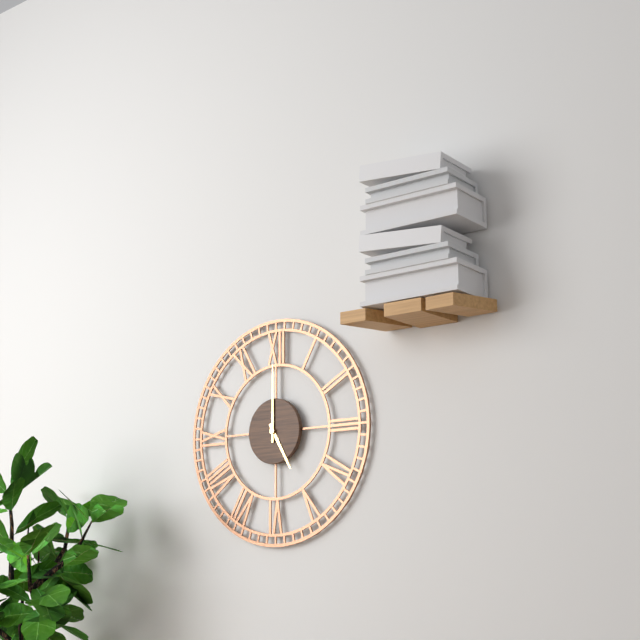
5.00
